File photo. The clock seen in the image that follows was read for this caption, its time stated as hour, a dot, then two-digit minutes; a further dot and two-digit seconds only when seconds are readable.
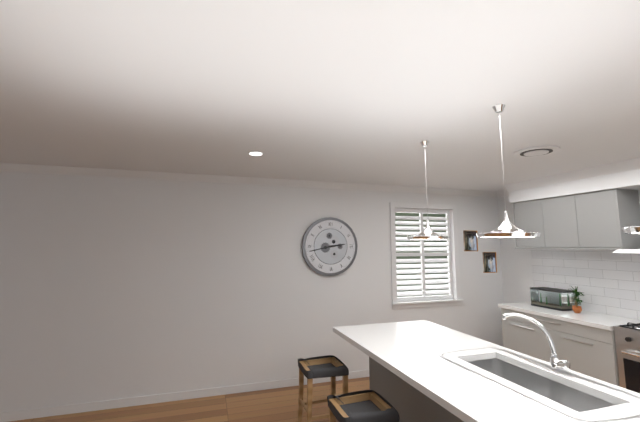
2.43
